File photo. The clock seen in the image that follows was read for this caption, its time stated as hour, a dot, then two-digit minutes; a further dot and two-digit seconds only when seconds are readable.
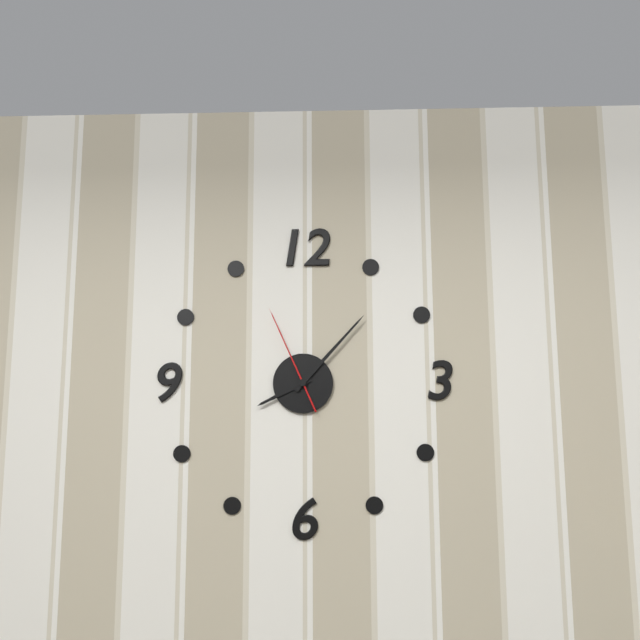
8.07.56
